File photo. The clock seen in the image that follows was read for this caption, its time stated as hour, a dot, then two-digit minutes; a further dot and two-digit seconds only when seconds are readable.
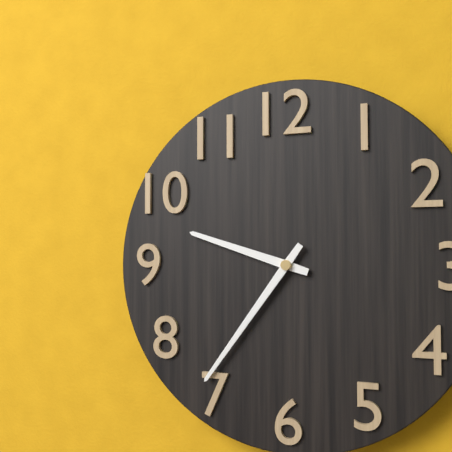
9.36
